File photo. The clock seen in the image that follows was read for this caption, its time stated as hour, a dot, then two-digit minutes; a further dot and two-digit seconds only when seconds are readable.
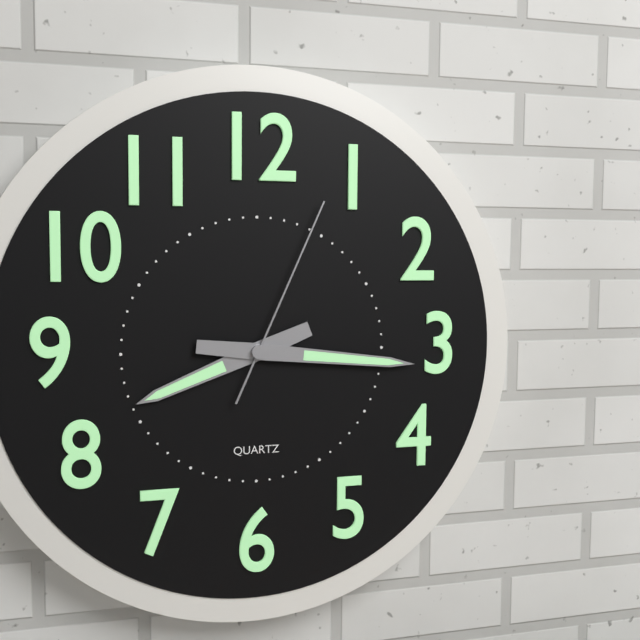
8.16.04
